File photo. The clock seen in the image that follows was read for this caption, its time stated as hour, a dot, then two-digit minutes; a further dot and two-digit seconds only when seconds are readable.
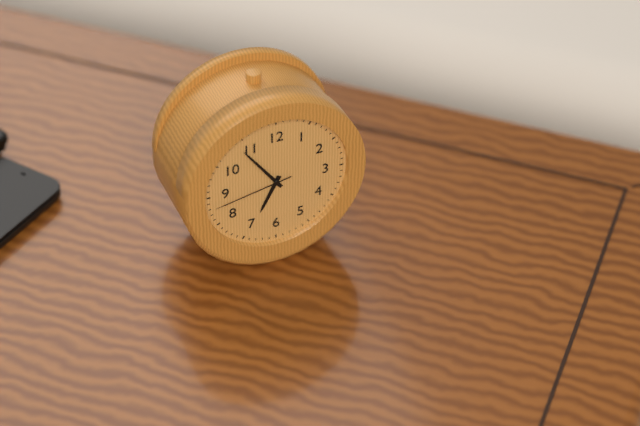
6.54.43
